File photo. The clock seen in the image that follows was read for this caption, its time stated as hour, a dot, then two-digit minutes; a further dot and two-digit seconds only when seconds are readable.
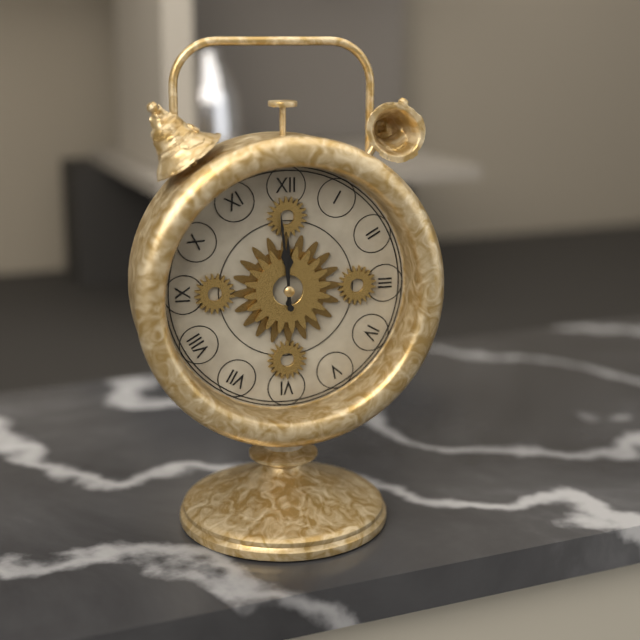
11.59
